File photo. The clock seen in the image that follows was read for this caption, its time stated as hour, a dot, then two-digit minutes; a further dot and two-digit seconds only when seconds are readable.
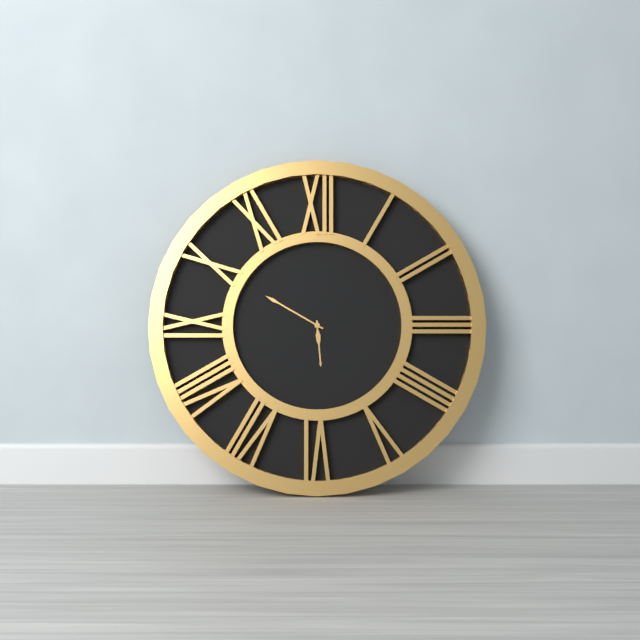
5.50
